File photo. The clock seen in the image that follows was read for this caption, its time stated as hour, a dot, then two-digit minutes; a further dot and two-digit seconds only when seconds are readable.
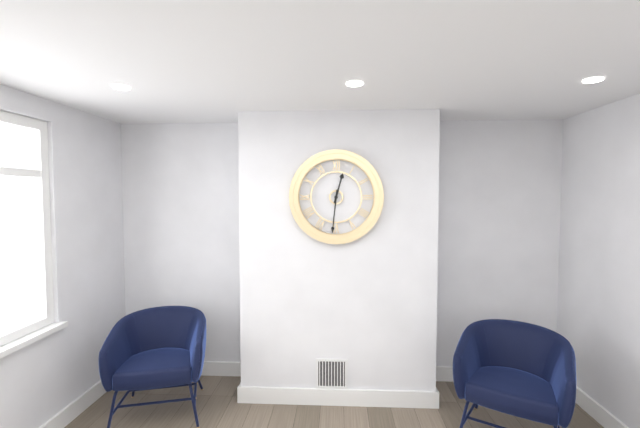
12.31
